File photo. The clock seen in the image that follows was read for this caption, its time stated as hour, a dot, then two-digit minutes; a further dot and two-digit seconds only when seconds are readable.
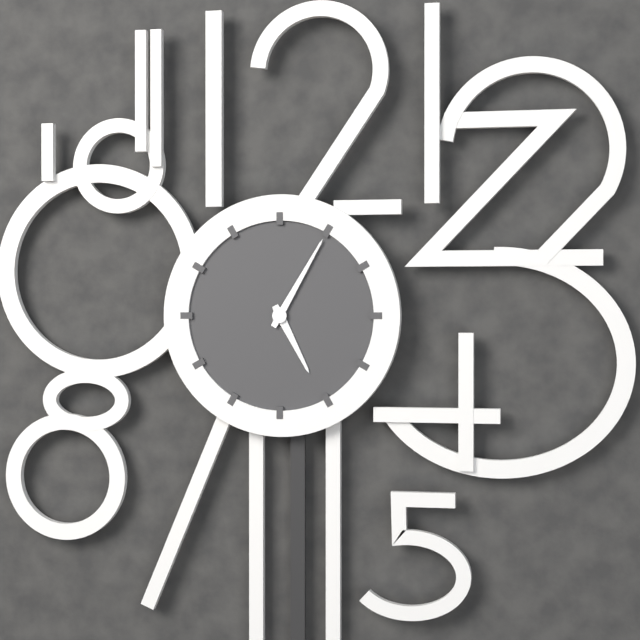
5.05
